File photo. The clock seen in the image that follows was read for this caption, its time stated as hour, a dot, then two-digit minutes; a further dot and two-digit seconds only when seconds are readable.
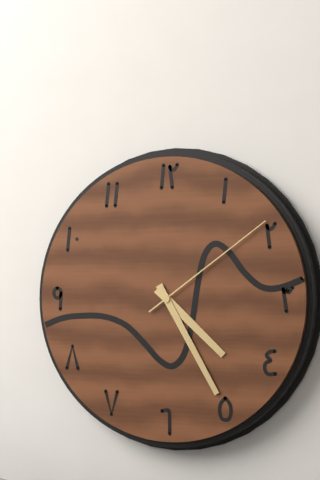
4.25.09
